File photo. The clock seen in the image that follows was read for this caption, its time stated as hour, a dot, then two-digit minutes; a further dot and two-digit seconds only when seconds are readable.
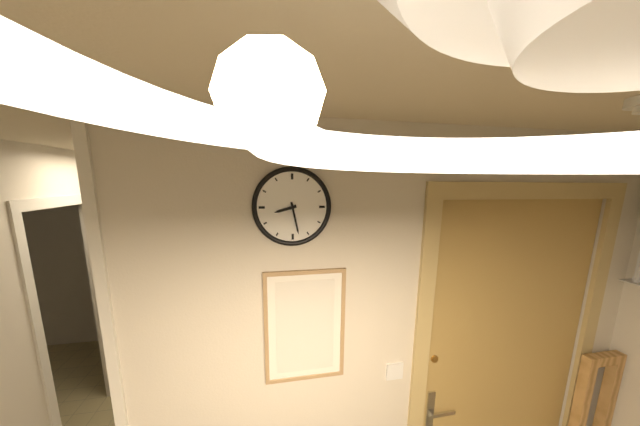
8.28
